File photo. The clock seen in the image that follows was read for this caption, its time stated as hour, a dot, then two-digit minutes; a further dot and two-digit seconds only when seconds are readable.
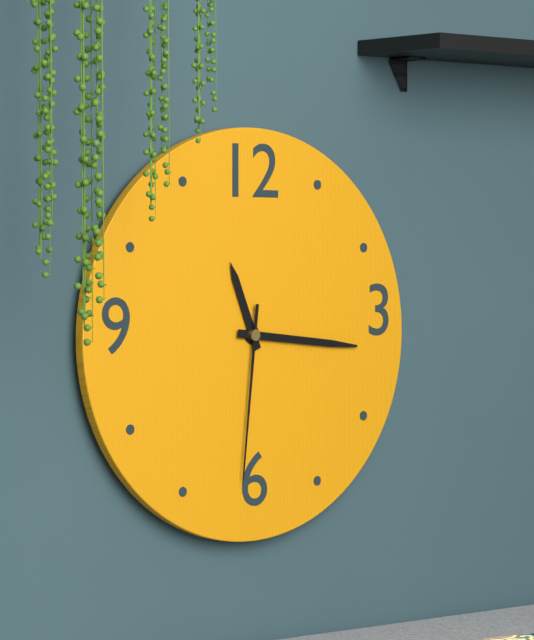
11.16.31
